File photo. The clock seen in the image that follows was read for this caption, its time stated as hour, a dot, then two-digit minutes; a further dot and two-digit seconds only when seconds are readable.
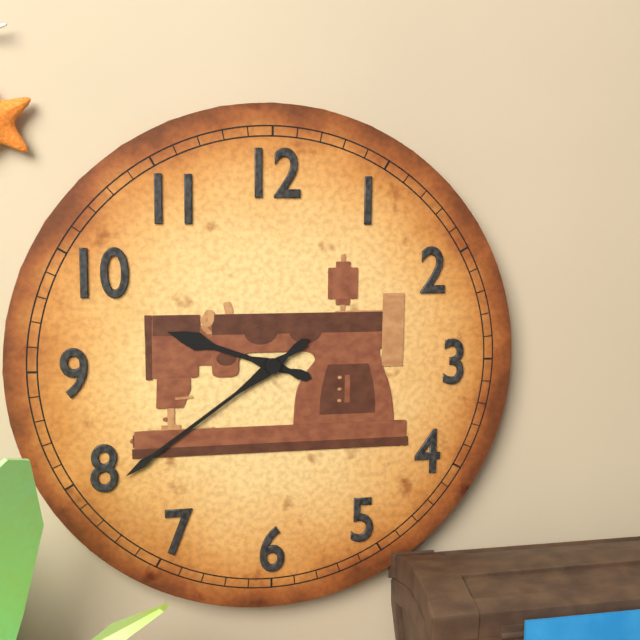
9.39
